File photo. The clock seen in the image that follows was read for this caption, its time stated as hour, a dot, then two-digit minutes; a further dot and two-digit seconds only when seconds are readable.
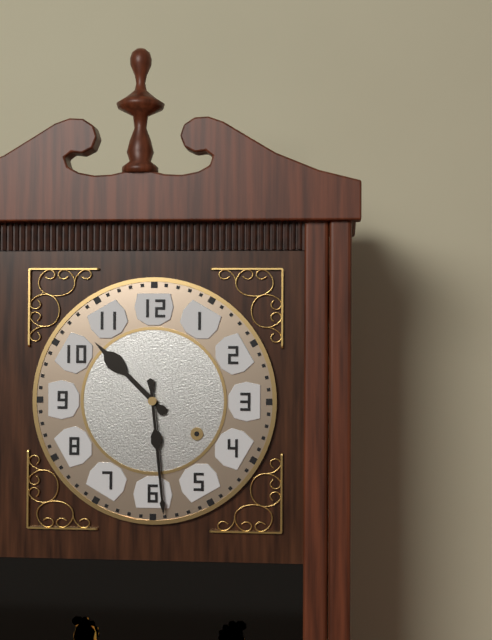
10.29
